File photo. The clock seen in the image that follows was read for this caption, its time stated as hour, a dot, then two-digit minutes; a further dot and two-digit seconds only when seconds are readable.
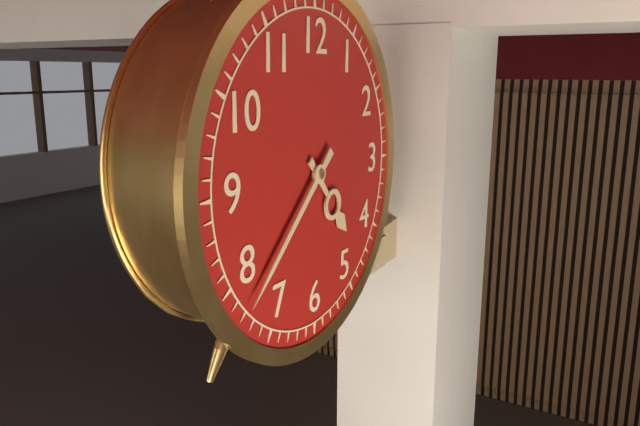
4.38
